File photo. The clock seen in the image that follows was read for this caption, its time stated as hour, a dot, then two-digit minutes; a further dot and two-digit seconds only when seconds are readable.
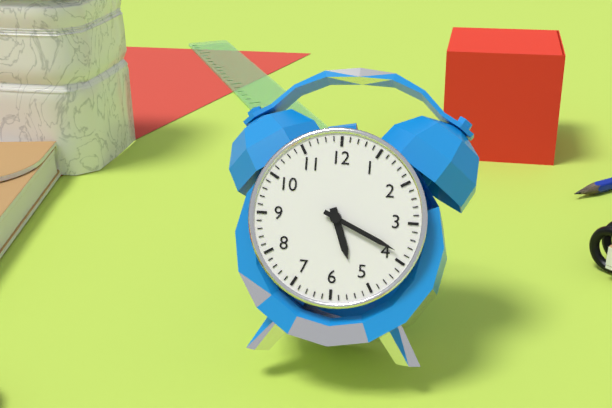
5.19
